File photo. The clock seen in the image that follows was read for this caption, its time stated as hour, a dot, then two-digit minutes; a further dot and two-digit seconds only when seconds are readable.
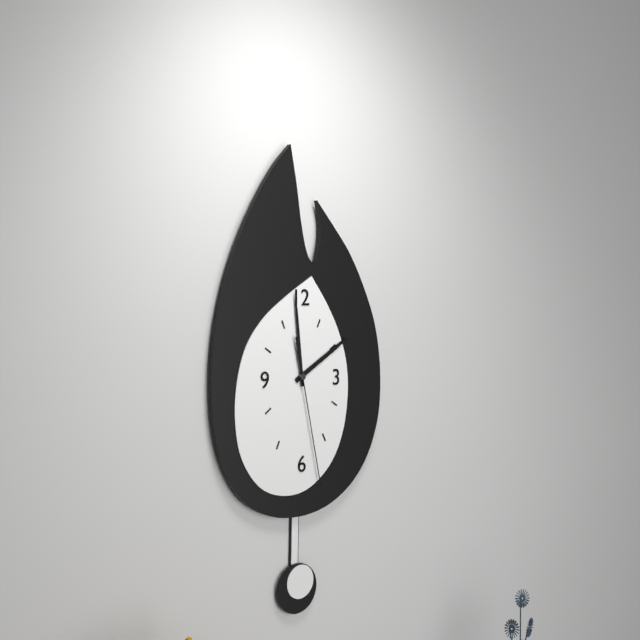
1.59.28
